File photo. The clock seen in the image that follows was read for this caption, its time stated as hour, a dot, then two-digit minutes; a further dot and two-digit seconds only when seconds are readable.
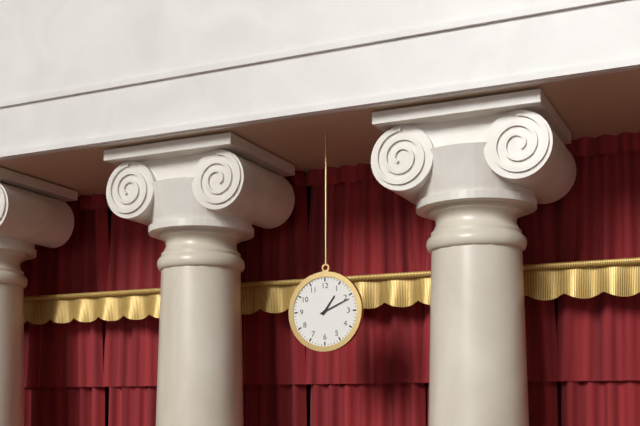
1.11
